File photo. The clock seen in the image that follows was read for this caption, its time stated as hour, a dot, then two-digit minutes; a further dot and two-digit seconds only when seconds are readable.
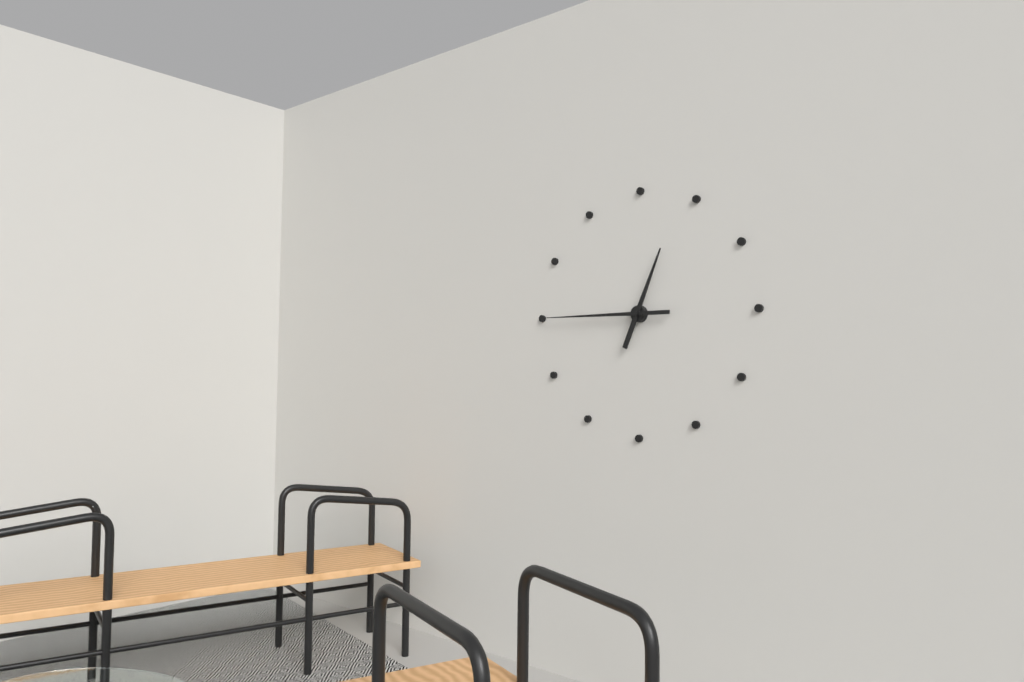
12.45
